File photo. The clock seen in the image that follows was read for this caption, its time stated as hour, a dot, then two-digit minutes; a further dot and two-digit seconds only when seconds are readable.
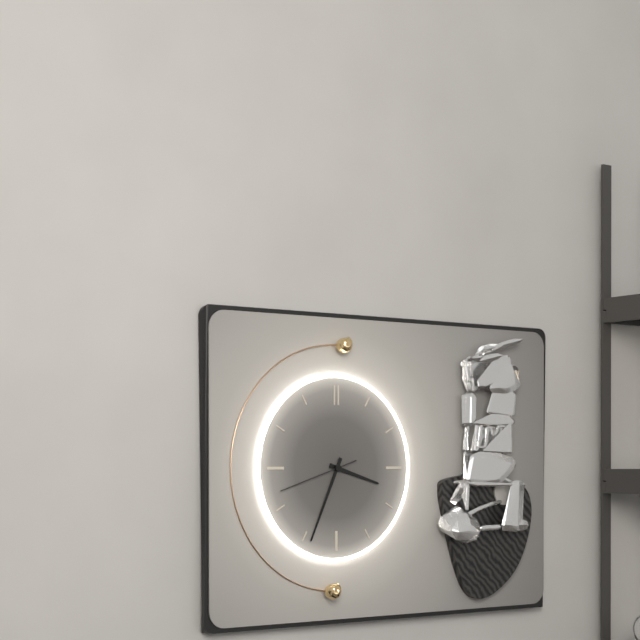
3.34.42
